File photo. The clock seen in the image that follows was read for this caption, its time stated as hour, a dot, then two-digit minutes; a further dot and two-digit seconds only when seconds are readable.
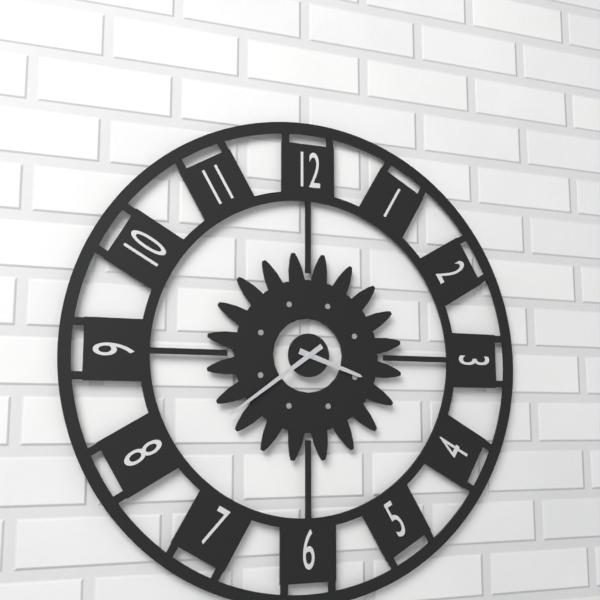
3.39
